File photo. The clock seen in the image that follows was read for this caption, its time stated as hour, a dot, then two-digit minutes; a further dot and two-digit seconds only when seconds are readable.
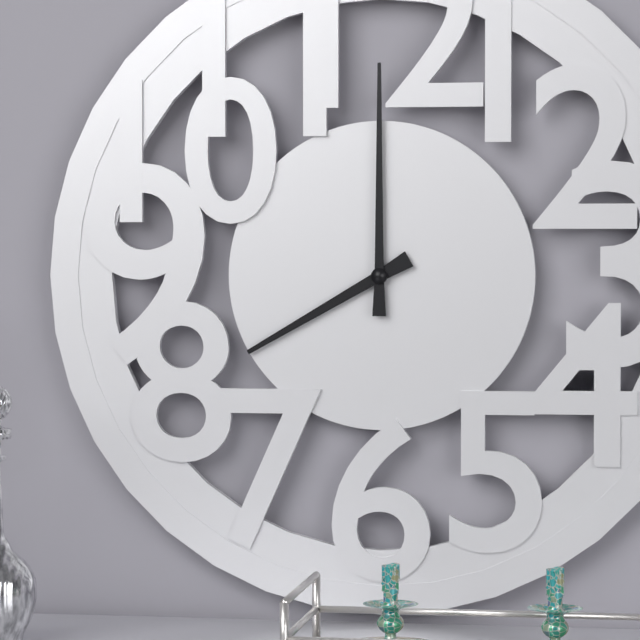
8.00
